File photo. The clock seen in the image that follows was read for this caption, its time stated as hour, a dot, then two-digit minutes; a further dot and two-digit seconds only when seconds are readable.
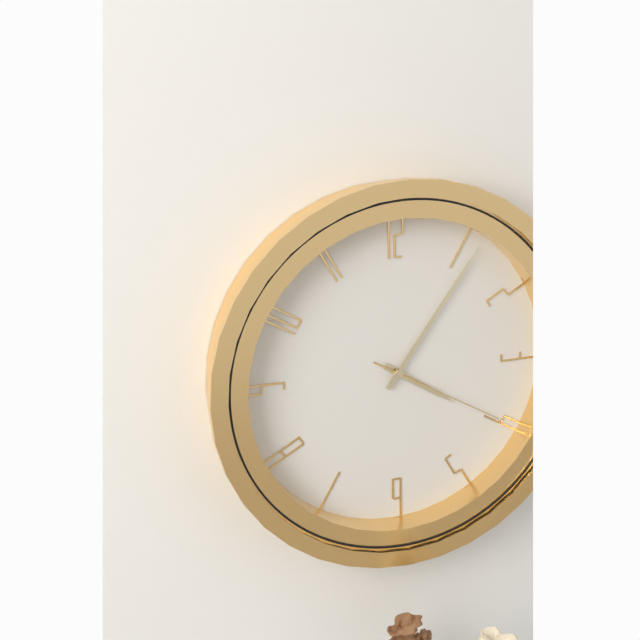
4.06.20
